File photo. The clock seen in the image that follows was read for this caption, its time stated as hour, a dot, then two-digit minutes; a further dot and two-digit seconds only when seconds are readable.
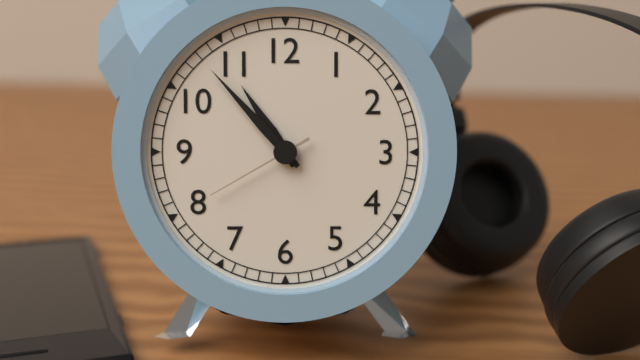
10.53.40
